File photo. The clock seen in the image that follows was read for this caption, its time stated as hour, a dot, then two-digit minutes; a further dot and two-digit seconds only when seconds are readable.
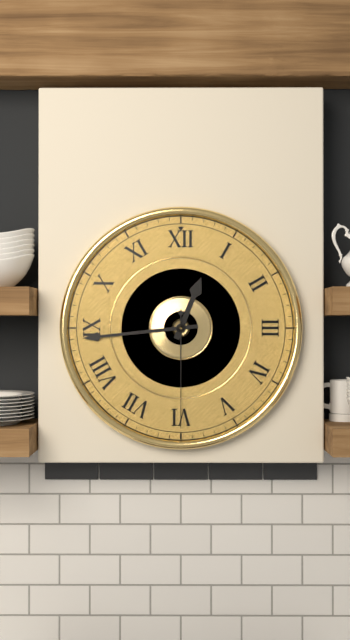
12.44.30
